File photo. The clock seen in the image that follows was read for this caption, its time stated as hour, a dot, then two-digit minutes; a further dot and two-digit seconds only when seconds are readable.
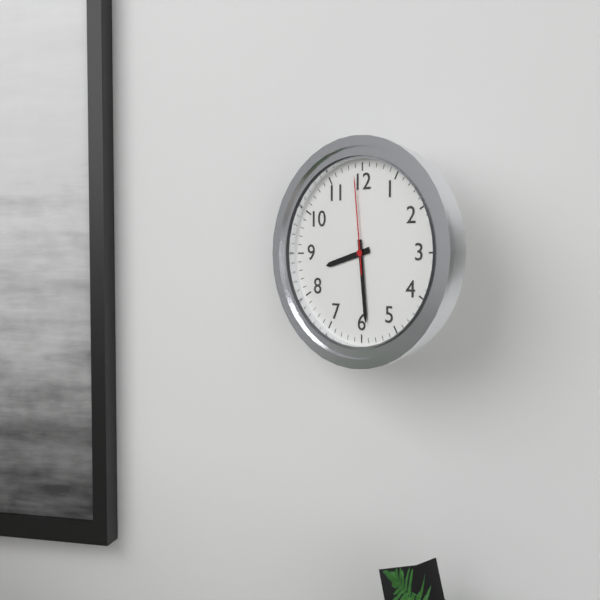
8.29.59
